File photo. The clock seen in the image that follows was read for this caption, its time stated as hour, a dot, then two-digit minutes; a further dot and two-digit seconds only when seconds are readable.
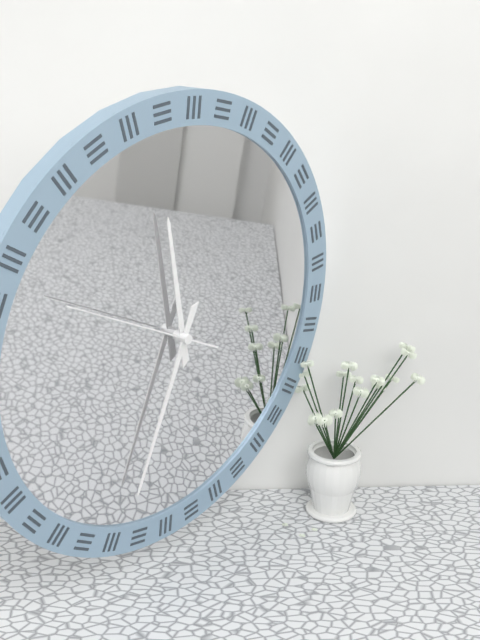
11.33.49
